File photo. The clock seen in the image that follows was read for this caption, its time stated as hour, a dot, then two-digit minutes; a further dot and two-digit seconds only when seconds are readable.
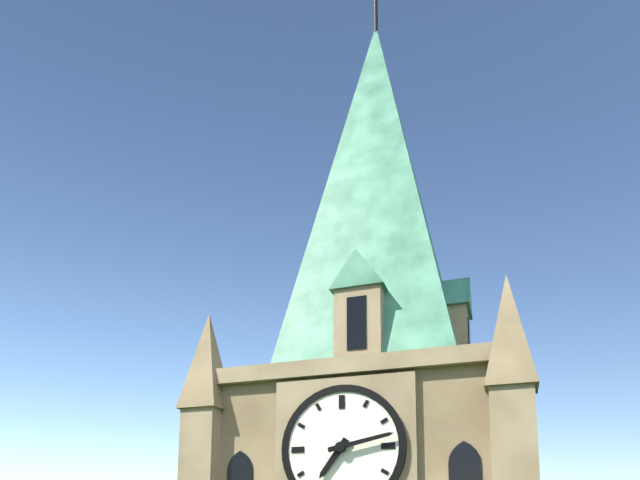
7.13
